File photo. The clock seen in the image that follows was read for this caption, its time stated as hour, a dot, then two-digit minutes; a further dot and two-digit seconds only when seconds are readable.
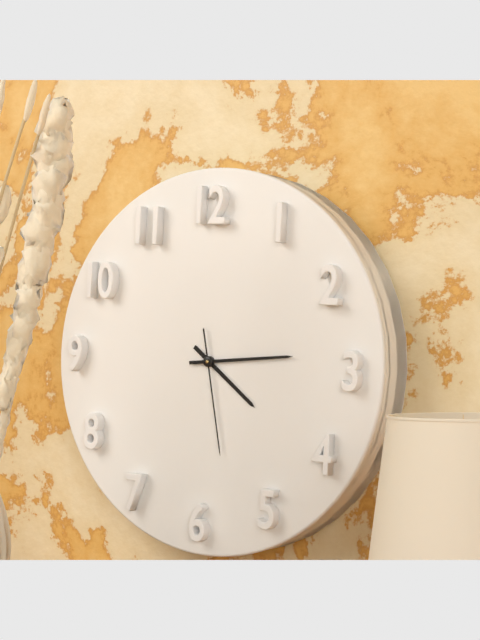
4.14.28
